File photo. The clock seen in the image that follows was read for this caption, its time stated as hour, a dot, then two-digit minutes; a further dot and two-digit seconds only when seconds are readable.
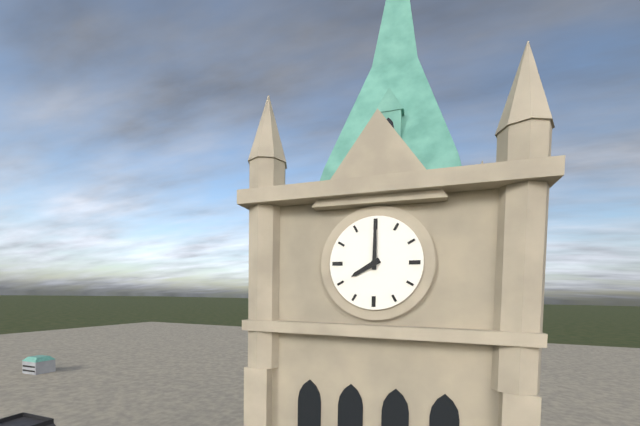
8.00
